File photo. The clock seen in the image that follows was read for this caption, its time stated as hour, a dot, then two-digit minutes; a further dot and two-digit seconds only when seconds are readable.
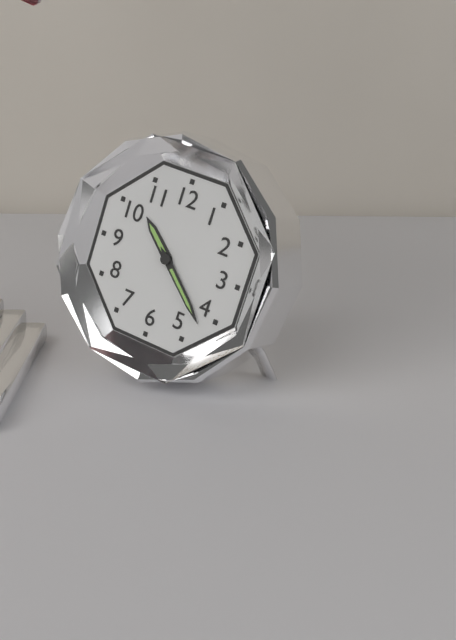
10.22
